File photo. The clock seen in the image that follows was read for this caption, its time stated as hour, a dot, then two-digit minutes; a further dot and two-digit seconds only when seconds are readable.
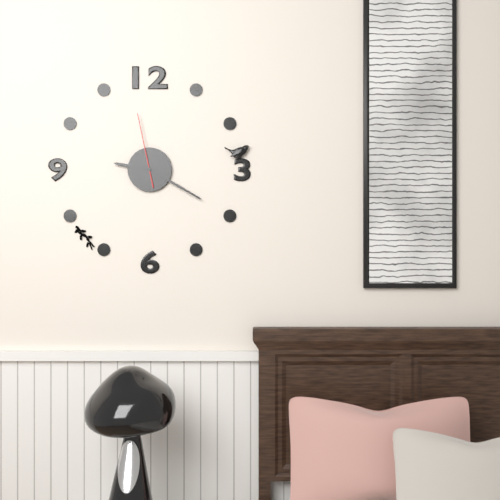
9.20.58
